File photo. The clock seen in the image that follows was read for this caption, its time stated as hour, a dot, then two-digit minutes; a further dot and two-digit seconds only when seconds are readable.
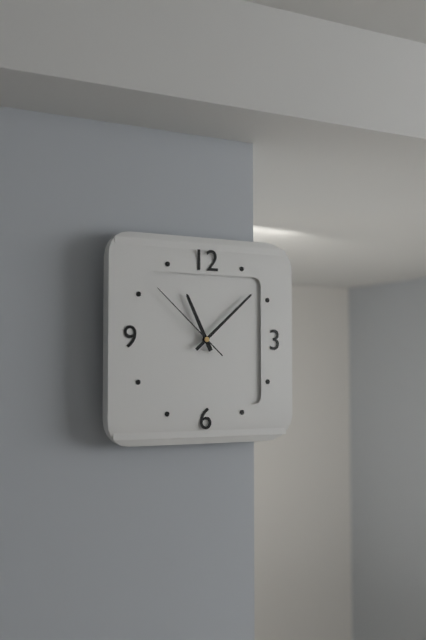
11.08.52
